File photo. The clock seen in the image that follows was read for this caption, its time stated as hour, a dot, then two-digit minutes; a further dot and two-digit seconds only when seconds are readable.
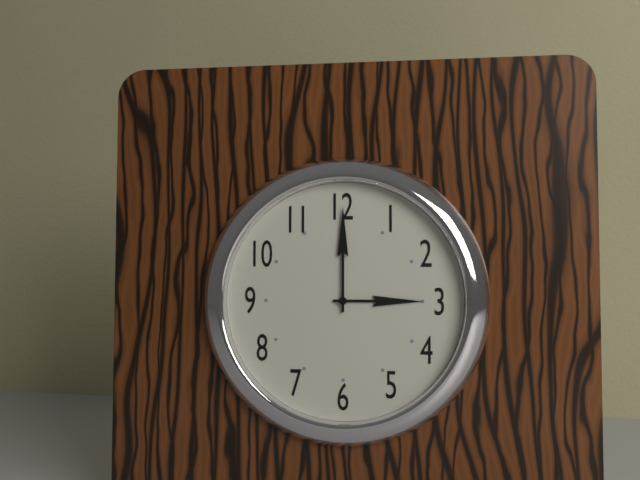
3.00
